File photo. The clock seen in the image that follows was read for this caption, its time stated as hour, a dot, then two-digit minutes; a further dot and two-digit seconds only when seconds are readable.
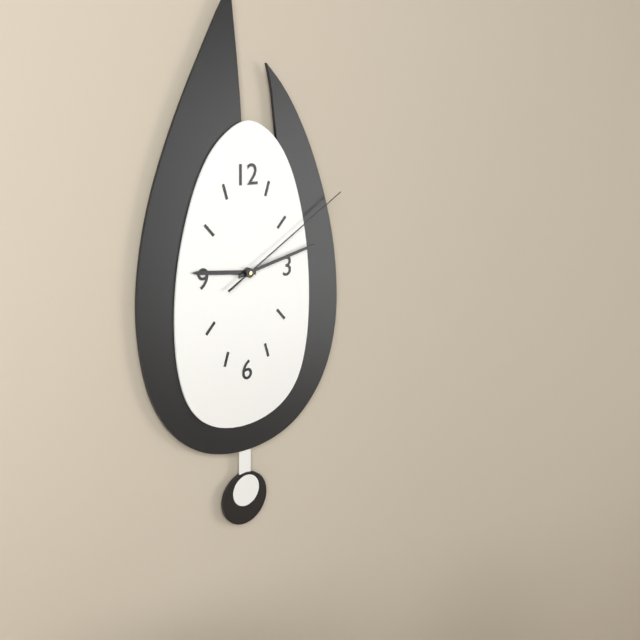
9.13.10
